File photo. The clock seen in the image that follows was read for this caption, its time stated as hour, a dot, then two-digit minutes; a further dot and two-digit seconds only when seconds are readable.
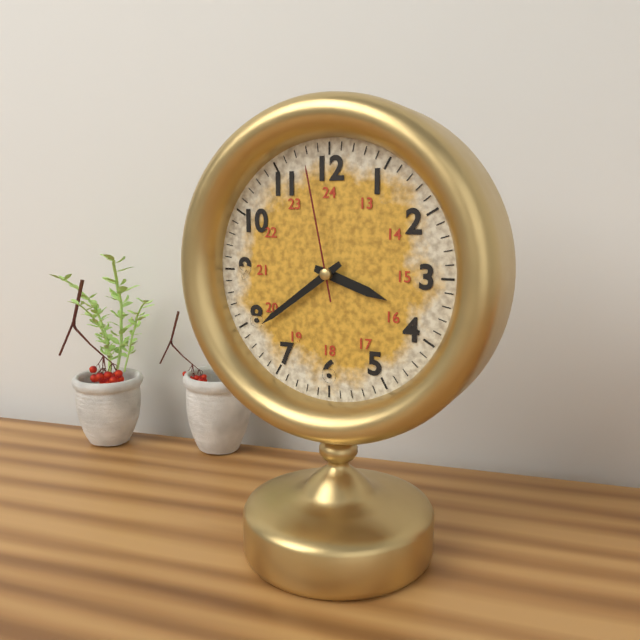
3.39.58
